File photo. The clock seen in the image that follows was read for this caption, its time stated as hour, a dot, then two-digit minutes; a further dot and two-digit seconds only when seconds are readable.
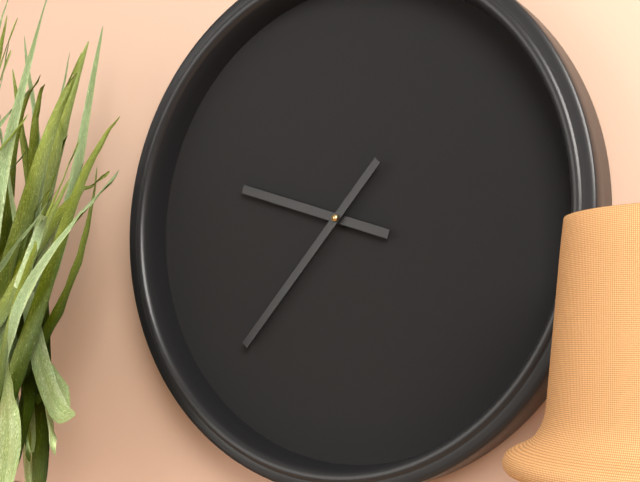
9.37
